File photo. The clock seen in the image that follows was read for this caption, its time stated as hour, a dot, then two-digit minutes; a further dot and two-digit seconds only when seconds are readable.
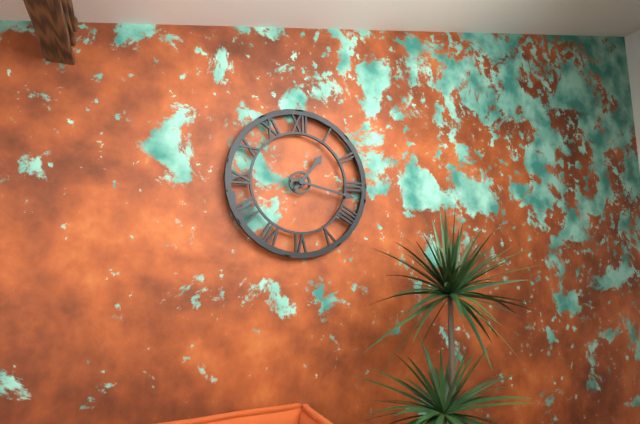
1.17
